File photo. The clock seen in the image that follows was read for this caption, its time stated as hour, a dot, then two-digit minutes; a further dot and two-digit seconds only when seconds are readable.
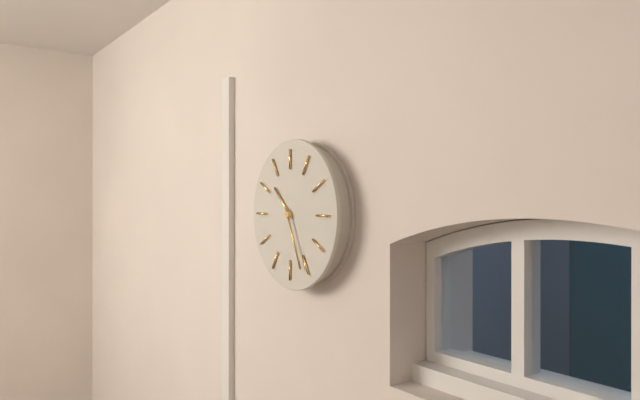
10.26
